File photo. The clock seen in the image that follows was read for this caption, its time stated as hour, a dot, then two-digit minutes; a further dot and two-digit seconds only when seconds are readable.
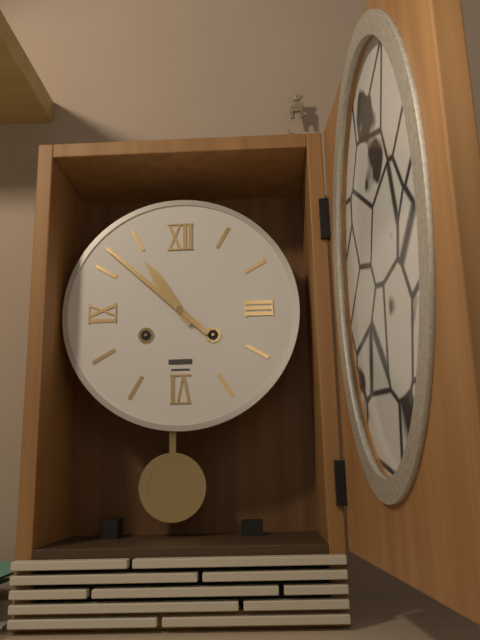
10.52
